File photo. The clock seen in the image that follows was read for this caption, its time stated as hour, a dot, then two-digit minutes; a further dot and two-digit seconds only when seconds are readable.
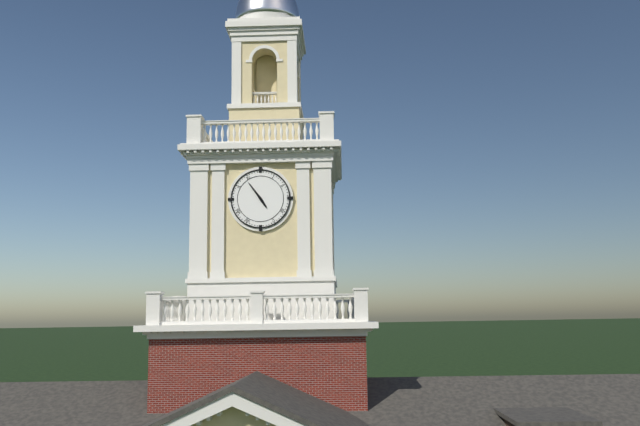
4.54
